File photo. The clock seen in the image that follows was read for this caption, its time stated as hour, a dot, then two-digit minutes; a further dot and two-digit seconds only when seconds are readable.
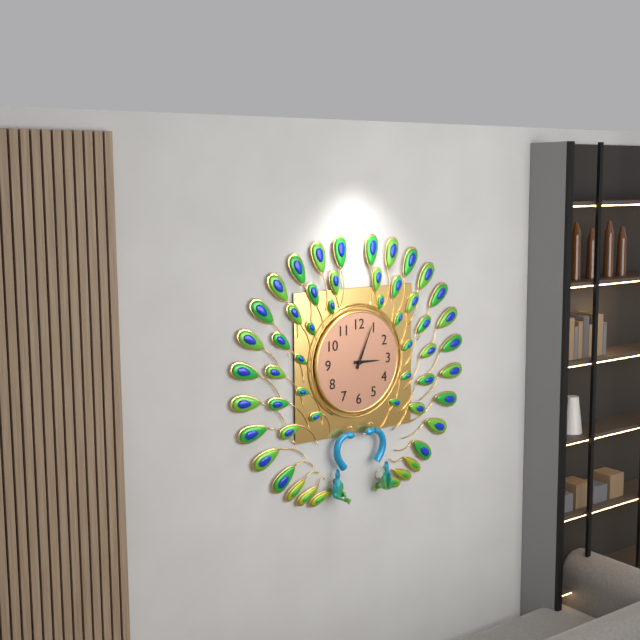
3.04
